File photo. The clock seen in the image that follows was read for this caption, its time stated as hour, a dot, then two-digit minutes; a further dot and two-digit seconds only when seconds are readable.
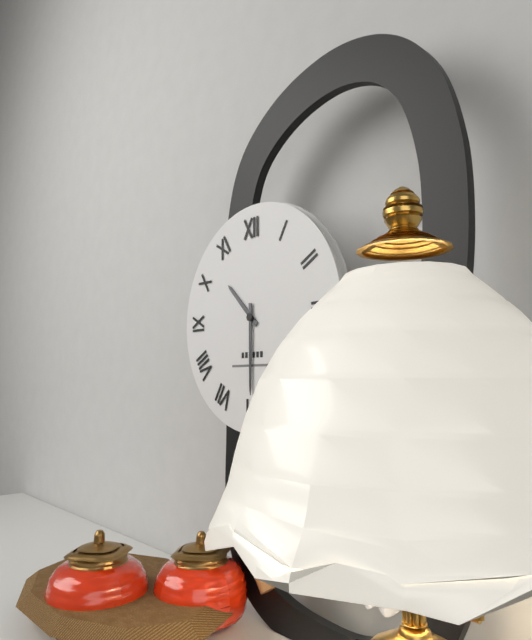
10.30
